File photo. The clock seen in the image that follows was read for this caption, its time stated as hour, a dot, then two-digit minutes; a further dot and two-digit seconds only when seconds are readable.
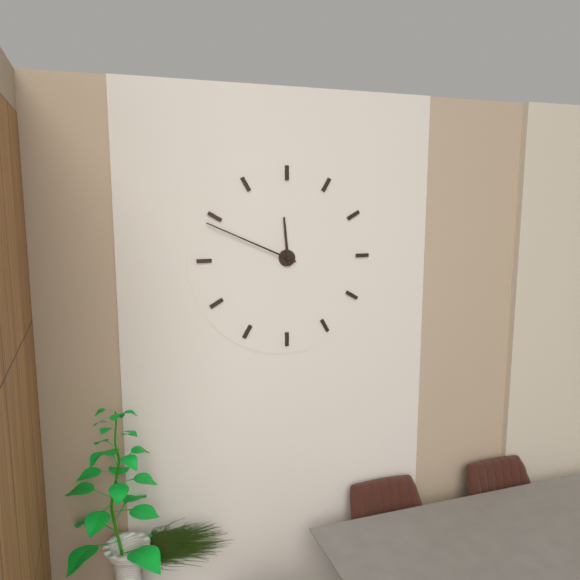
11.49
